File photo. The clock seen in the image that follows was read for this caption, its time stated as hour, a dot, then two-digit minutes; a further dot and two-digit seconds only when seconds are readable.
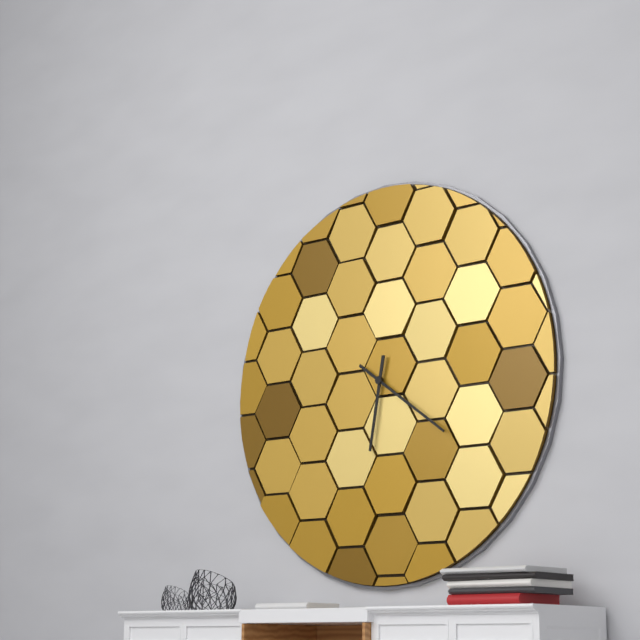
6.21
